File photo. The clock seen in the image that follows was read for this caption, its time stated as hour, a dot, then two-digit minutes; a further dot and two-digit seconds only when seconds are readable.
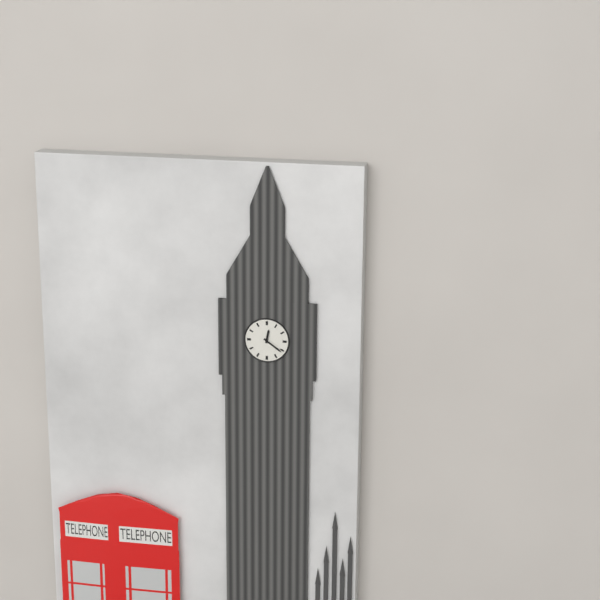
12.21
